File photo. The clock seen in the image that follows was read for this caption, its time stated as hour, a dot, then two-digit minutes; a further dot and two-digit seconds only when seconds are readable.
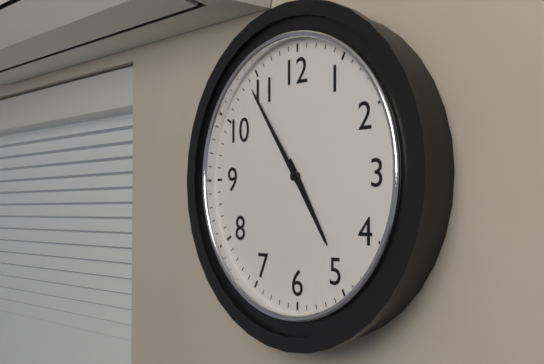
4.54
